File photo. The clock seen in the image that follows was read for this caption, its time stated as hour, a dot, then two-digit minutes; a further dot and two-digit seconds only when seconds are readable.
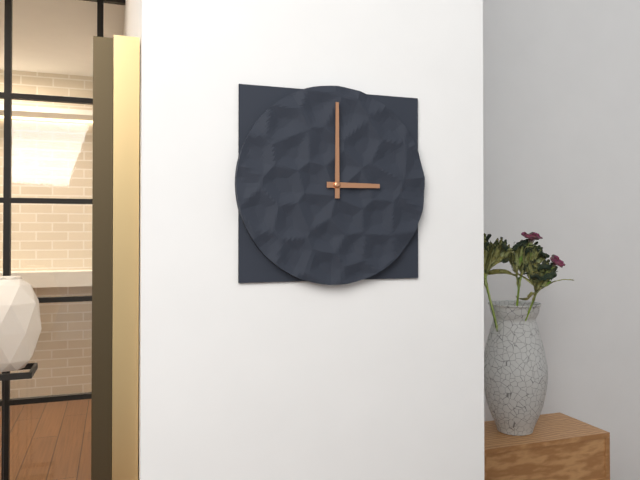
3.00
